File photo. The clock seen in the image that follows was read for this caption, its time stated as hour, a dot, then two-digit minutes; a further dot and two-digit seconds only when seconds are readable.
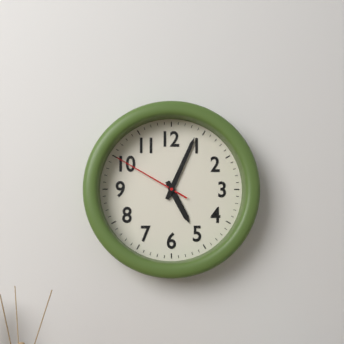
5.04.50
